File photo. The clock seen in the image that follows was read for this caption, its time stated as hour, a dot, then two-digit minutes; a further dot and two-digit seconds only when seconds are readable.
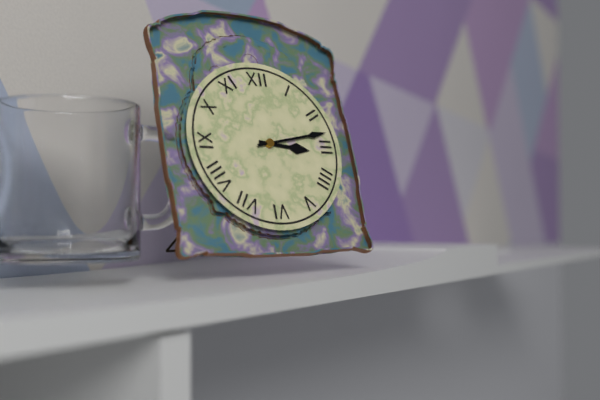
3.13
